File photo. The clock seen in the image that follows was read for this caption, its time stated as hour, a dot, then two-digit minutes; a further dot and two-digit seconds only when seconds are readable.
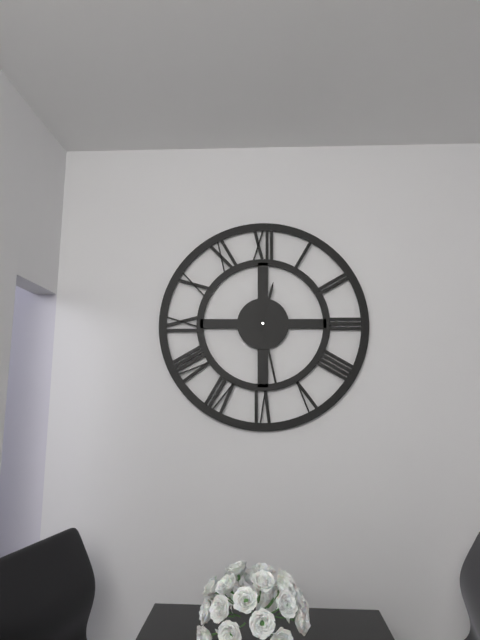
12.28
